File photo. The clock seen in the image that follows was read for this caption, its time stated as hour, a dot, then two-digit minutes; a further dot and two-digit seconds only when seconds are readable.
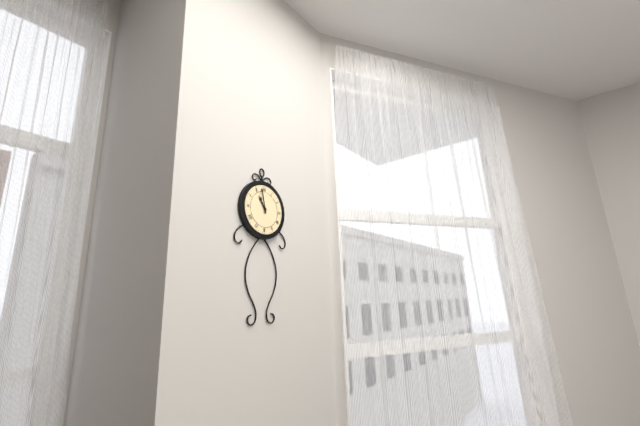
10.58
